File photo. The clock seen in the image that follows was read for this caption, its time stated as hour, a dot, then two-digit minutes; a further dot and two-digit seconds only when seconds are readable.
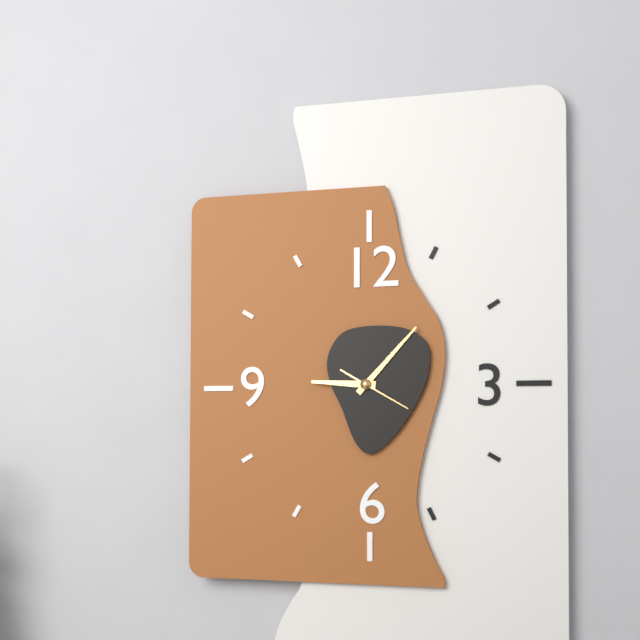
9.07.20
